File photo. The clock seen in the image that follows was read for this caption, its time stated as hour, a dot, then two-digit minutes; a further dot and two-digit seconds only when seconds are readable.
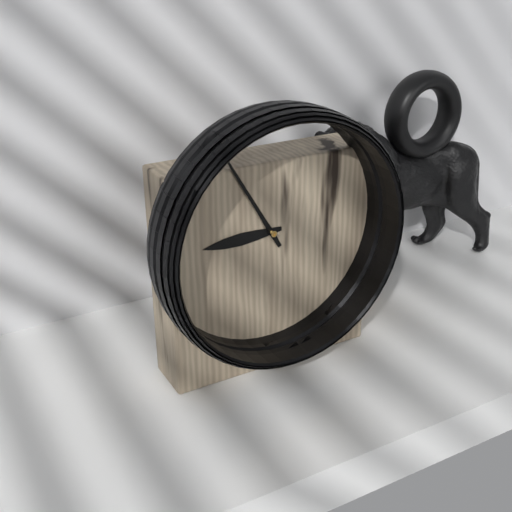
8.55
